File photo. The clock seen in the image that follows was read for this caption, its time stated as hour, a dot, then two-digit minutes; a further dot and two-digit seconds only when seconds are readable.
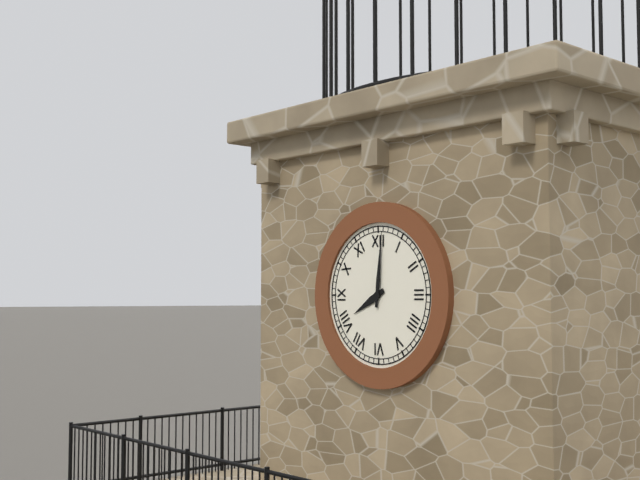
8.01
